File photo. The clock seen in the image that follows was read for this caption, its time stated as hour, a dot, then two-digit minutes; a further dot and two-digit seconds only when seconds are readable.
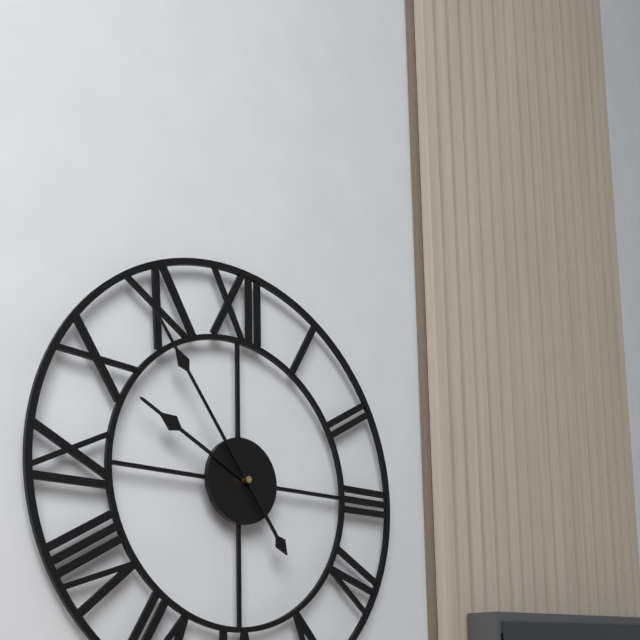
9.54
